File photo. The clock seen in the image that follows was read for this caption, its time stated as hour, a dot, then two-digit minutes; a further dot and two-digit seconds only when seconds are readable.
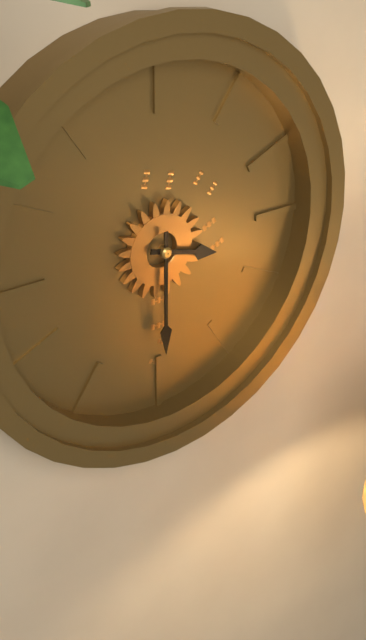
3.30
